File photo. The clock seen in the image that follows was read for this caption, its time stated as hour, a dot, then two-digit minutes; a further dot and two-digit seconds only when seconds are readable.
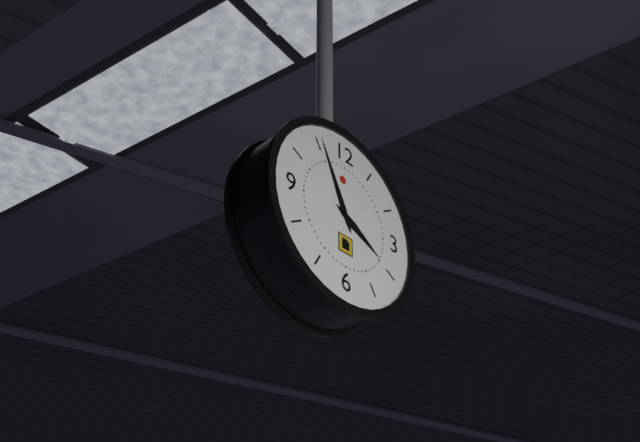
3.56
